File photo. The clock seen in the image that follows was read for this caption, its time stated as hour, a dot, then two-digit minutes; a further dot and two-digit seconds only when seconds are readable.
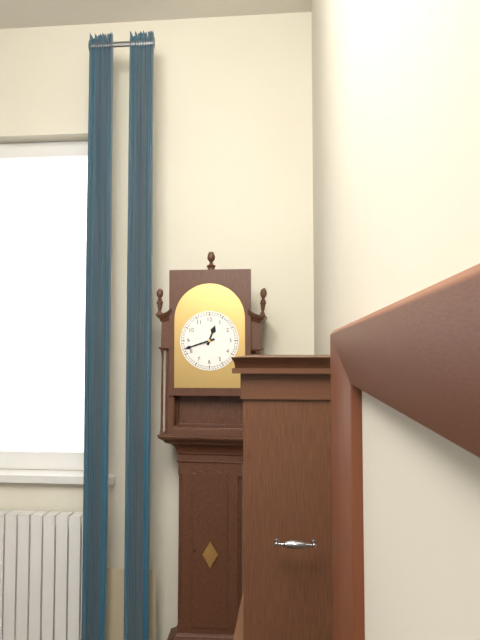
12.42
